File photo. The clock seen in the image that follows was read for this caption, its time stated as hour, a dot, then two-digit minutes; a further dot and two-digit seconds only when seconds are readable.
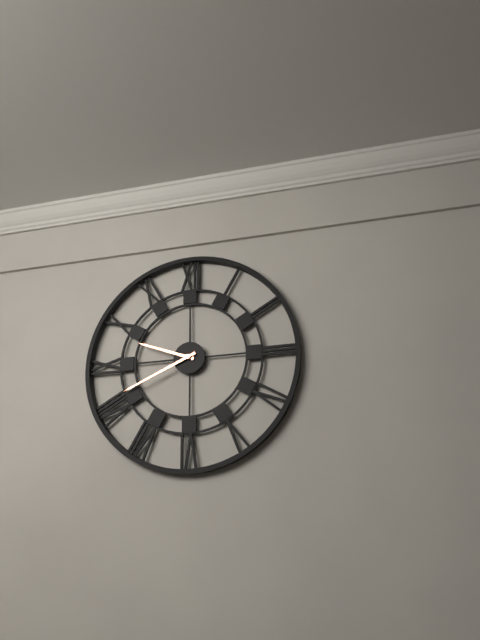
9.41
